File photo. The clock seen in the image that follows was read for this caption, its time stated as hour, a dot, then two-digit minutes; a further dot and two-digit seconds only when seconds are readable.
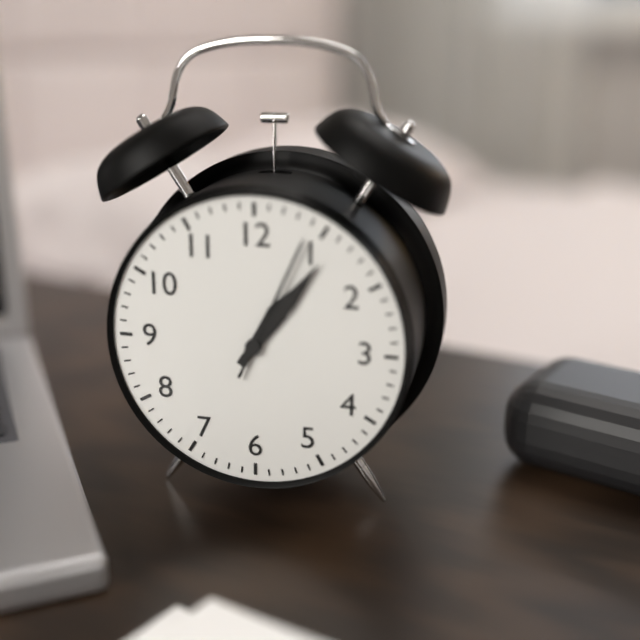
1.06.04
